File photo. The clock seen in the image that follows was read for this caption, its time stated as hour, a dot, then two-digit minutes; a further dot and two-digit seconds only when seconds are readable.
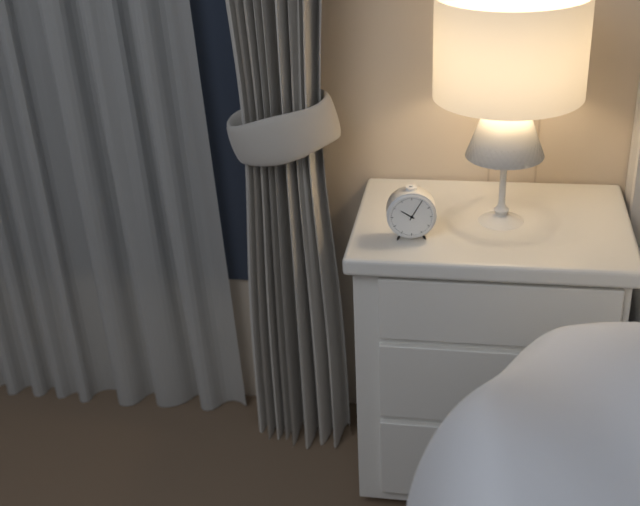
10.05
